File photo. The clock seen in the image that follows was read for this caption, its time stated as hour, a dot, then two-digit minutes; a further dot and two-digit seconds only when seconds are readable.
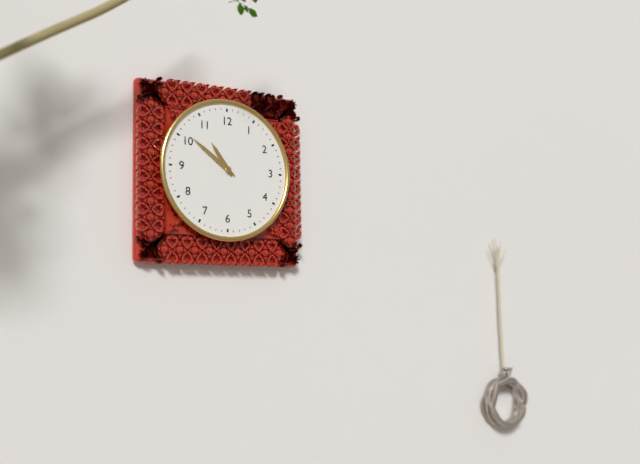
10.51
